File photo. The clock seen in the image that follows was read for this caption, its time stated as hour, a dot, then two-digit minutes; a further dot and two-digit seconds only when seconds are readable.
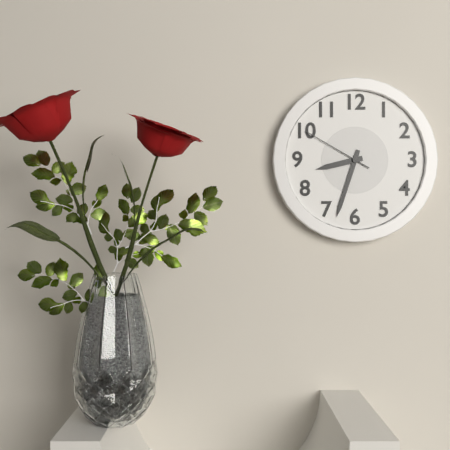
8.33.50
